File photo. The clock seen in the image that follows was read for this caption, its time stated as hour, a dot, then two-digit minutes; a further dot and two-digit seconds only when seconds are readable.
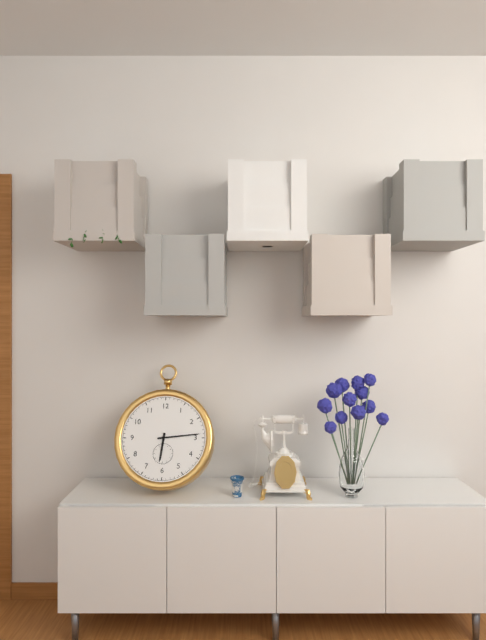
6.14
